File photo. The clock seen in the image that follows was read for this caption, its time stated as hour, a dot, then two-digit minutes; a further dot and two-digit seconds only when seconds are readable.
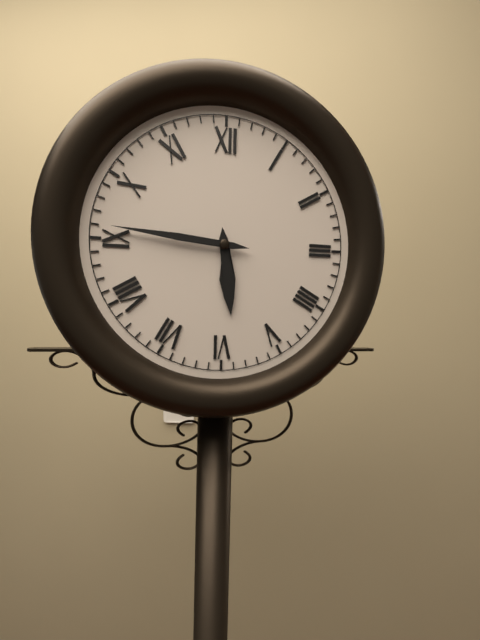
5.46
